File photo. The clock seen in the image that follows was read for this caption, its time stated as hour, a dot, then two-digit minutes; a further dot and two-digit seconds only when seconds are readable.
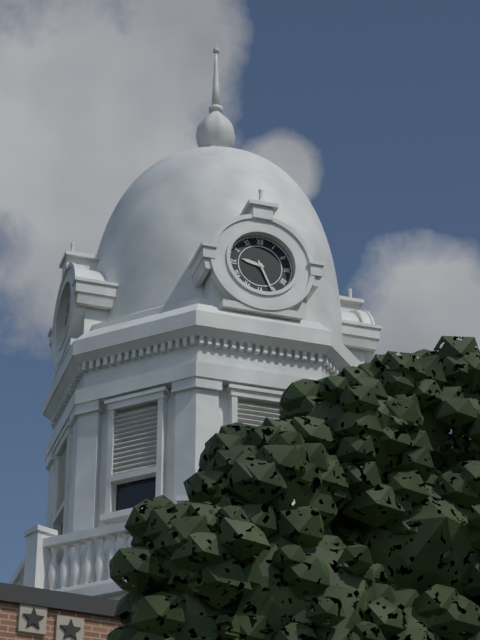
9.26
